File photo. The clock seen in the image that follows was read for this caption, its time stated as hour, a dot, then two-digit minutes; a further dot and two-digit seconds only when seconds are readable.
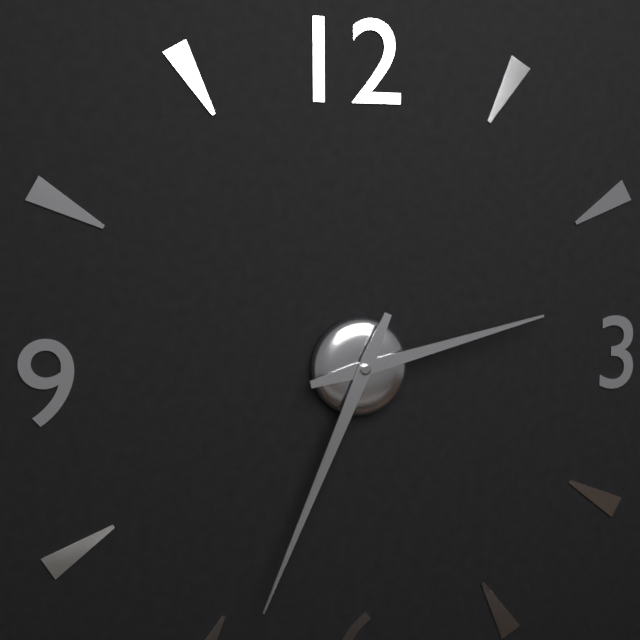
2.34
